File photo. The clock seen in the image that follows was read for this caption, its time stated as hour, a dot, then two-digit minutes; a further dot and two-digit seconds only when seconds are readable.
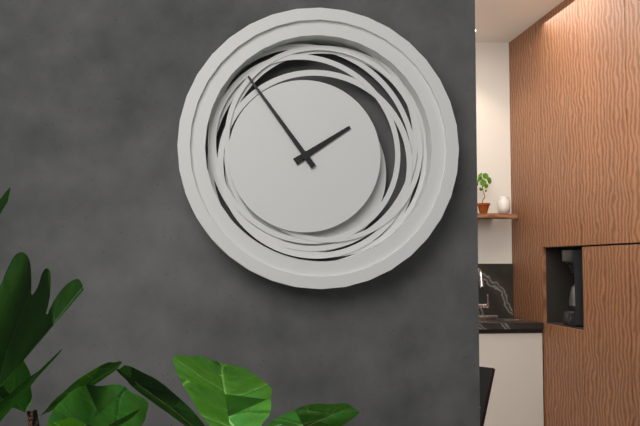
1.54
